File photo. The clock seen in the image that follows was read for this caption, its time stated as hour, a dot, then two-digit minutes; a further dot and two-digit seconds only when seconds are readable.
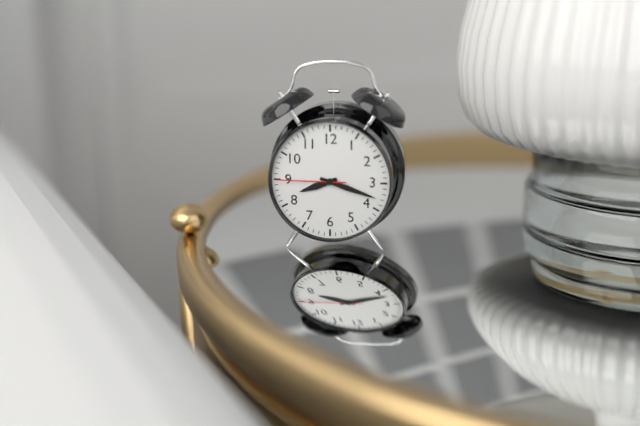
8.18.45
